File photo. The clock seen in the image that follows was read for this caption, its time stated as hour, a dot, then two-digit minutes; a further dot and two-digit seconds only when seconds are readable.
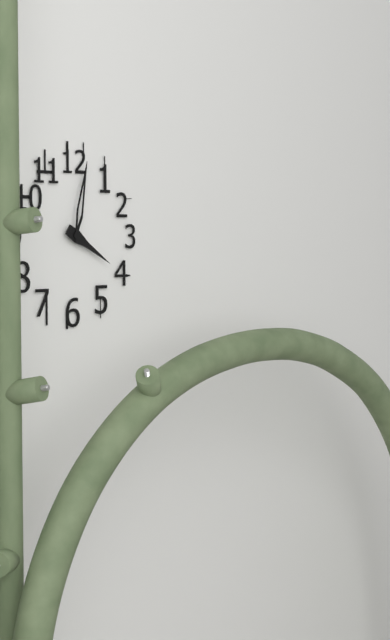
4.02
